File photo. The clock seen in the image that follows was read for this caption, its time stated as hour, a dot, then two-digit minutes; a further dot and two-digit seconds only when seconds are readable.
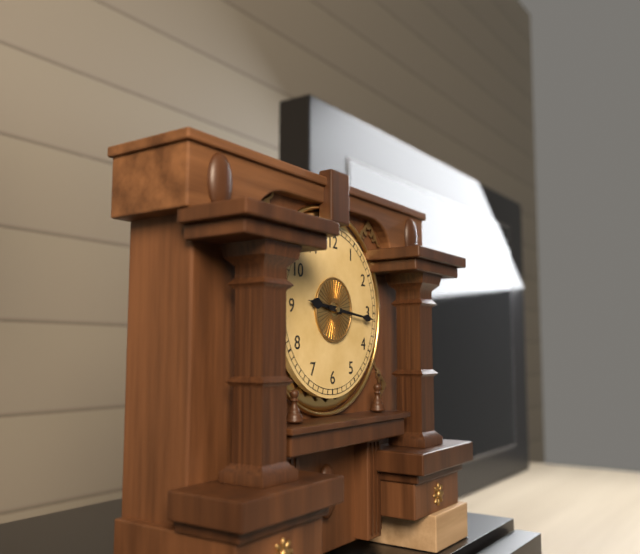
9.16
